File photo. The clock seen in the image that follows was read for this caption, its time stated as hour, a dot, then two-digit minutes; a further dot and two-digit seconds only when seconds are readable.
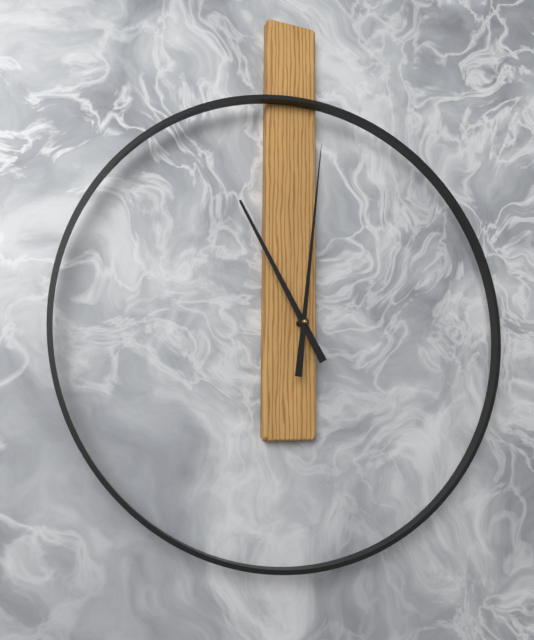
11.01
